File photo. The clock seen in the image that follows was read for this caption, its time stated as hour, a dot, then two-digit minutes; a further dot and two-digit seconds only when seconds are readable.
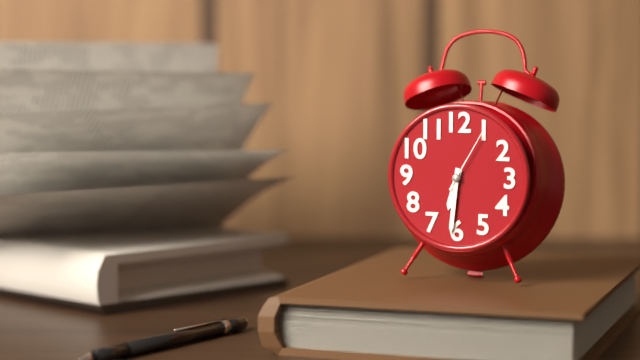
6.31.05
